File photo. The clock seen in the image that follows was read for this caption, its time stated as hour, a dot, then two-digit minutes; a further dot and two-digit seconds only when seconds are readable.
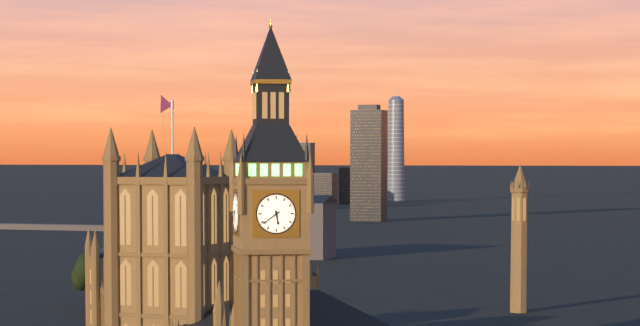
5.39
